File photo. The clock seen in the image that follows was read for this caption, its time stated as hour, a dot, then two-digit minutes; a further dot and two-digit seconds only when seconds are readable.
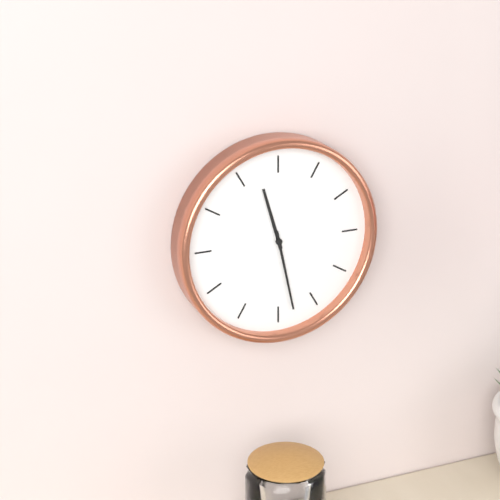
11.28
